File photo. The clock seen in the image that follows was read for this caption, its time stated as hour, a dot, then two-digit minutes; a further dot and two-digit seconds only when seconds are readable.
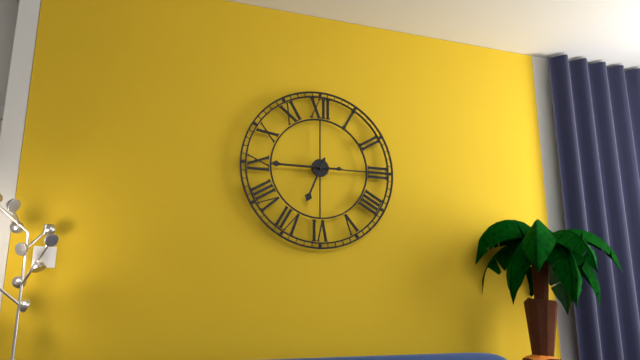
6.45
